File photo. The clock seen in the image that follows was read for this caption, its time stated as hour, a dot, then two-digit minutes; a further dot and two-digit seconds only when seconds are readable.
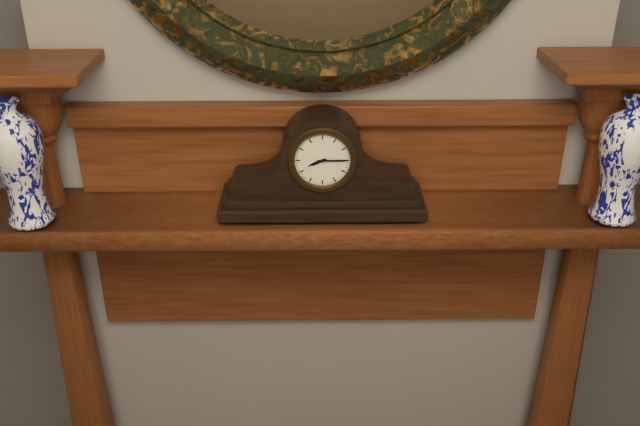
8.15
